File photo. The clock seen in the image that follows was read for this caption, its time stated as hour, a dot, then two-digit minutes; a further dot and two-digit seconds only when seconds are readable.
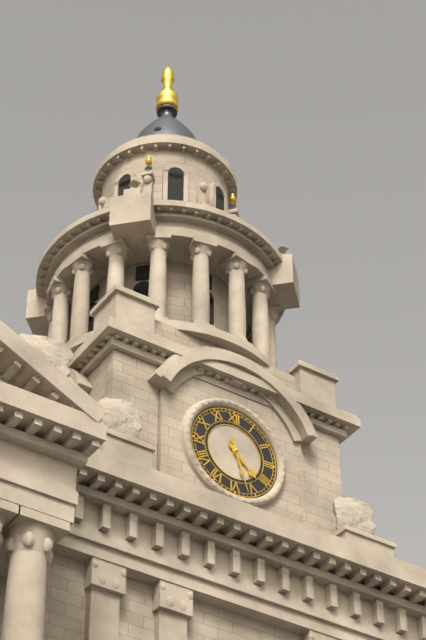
4.27
